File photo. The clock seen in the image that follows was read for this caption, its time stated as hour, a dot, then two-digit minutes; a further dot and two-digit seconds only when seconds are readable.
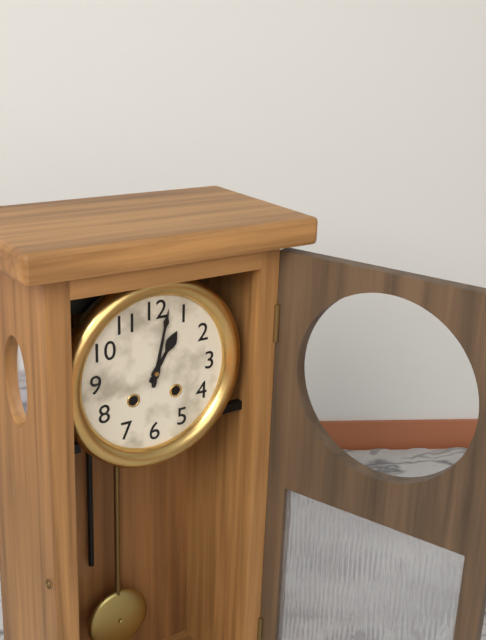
1.02
